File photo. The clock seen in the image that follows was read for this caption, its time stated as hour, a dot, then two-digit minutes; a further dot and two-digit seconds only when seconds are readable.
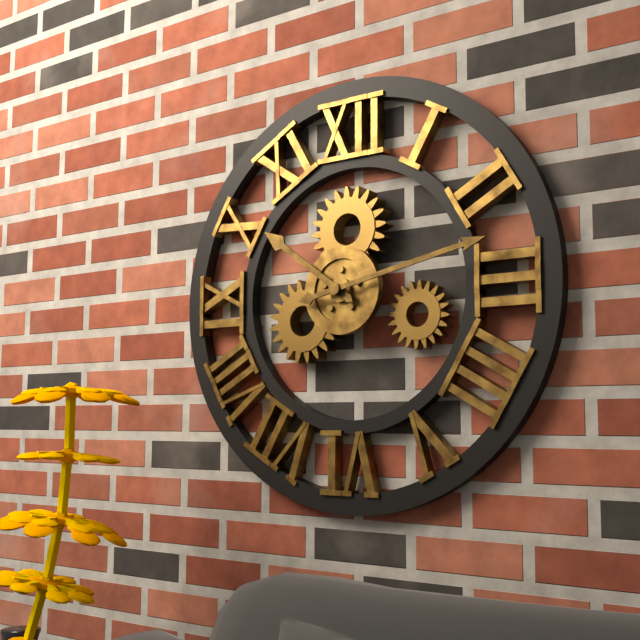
10.13
